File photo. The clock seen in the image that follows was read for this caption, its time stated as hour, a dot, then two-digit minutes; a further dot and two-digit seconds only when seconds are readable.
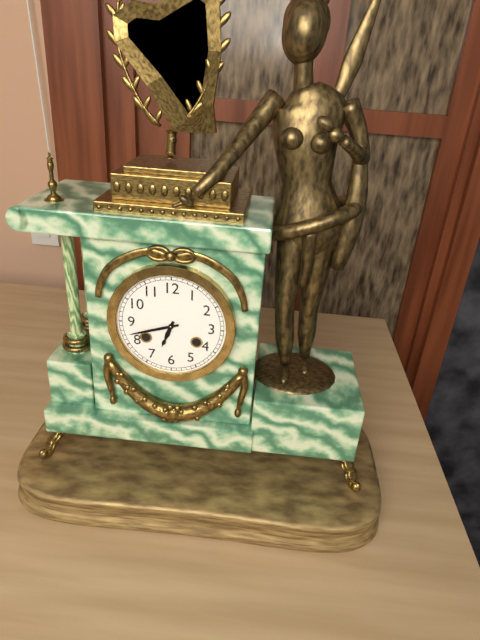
6.42
